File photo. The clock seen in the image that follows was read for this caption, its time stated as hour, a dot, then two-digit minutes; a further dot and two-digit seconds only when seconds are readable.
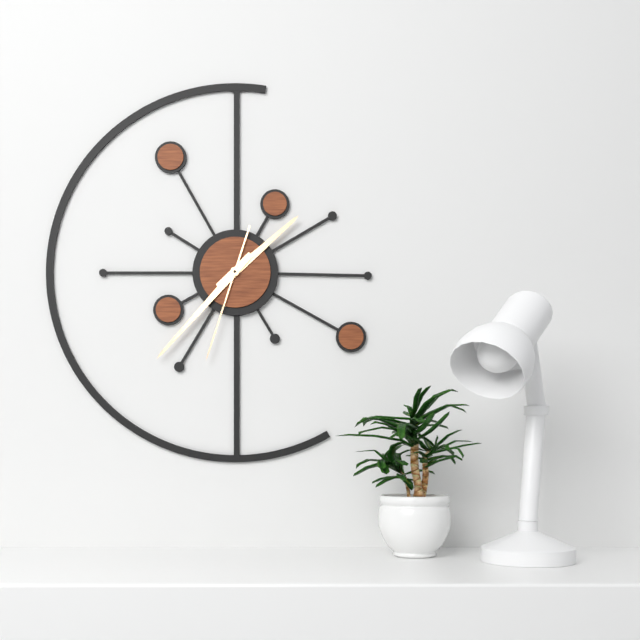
1.37.33
